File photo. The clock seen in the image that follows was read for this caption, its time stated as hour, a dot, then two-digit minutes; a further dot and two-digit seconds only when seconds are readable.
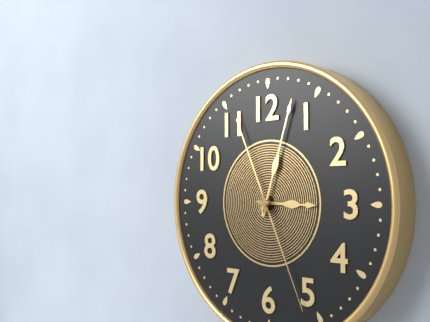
3.03.26
